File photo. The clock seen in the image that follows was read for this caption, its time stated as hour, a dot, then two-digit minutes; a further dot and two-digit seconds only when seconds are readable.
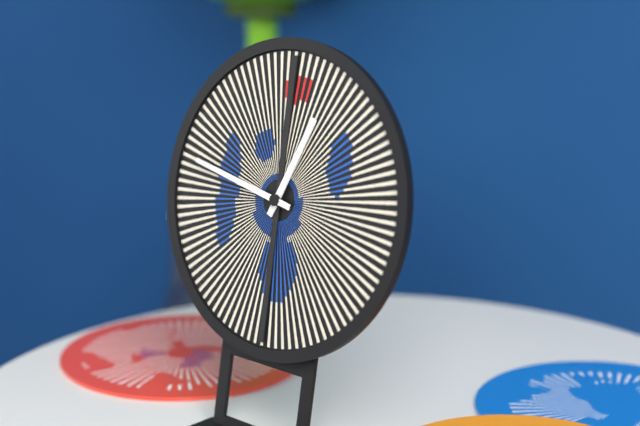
12.47.30
